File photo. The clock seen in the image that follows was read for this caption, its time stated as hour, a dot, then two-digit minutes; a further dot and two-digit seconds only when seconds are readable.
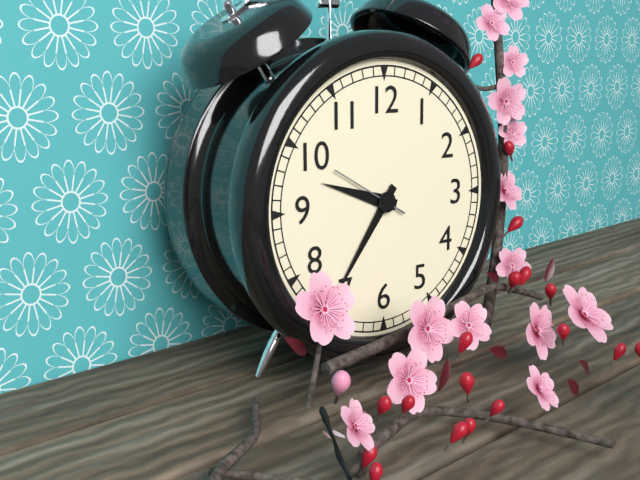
9.36.50
